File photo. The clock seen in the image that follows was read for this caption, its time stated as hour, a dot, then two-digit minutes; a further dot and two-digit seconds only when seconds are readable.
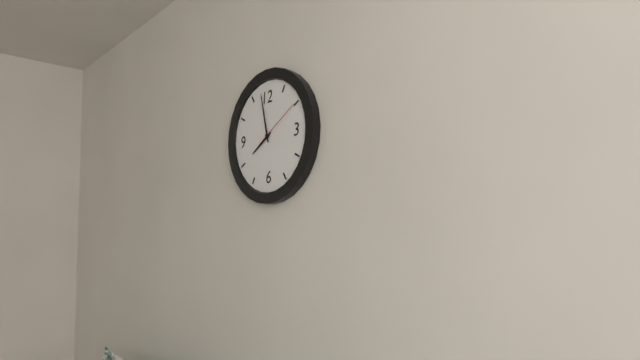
7.58.10
